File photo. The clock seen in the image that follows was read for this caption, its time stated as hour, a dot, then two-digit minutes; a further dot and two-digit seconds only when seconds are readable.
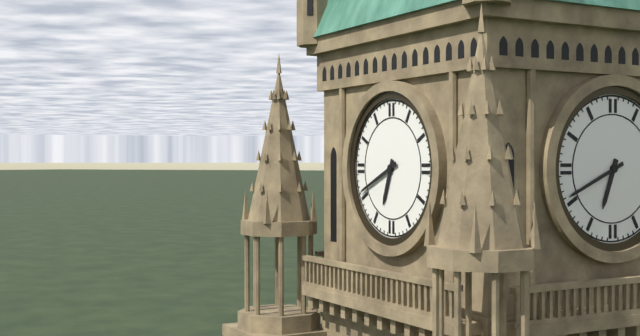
6.41
